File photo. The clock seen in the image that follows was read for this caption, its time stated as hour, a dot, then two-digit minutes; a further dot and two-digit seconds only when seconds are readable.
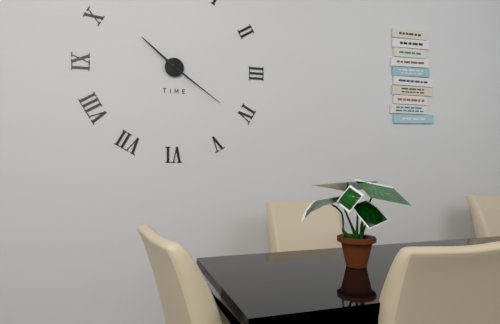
10.21
